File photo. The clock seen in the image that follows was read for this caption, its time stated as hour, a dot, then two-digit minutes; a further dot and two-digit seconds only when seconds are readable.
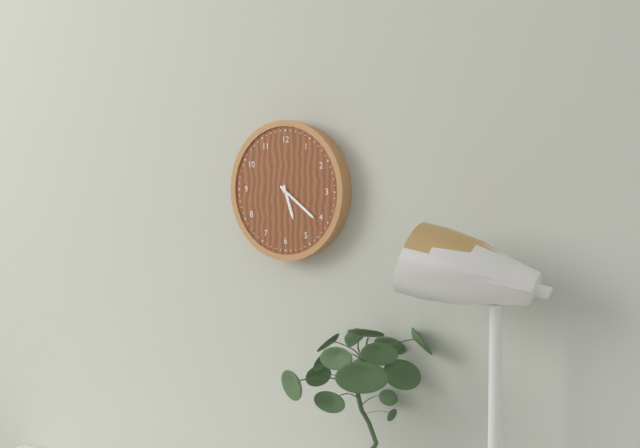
5.21
